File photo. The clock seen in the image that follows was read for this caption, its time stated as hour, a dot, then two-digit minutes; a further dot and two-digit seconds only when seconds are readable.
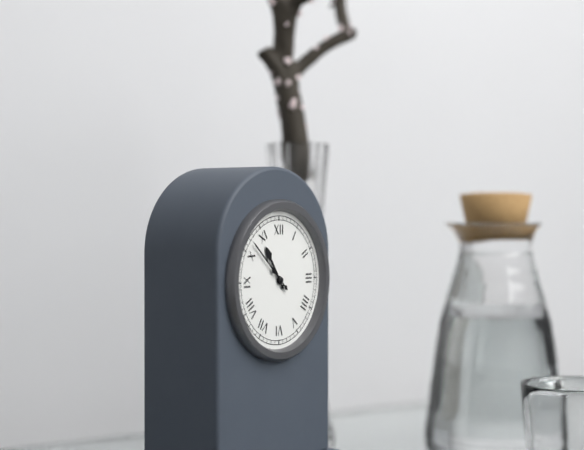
10.52
